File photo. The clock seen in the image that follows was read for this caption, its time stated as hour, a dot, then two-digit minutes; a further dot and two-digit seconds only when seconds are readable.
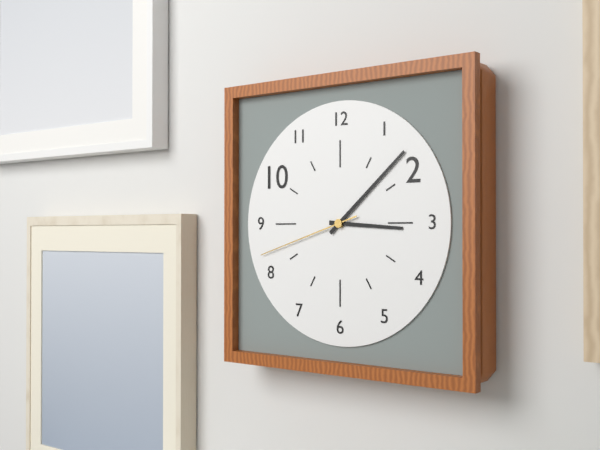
3.08.42
